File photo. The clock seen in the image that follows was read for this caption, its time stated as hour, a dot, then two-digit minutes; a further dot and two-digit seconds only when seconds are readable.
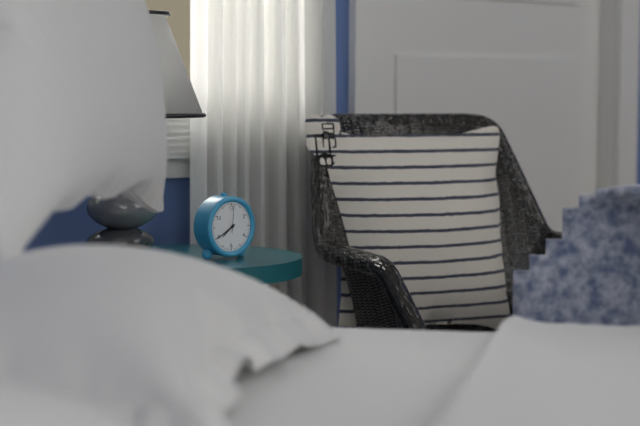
7.40
